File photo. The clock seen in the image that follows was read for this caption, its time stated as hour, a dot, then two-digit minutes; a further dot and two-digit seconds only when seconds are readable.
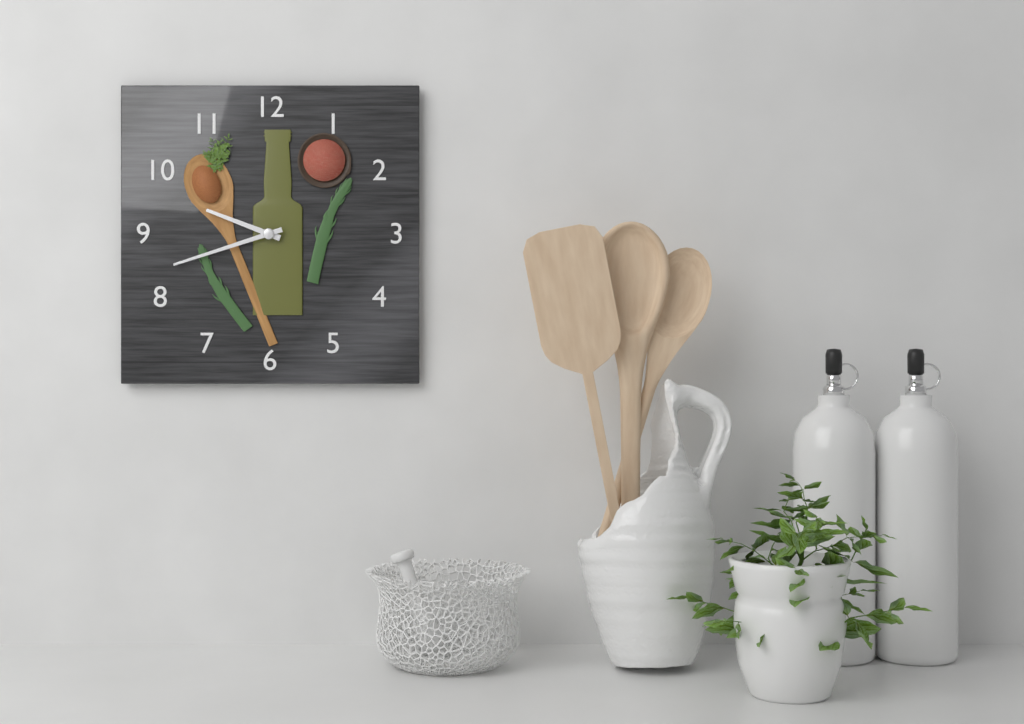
9.42
